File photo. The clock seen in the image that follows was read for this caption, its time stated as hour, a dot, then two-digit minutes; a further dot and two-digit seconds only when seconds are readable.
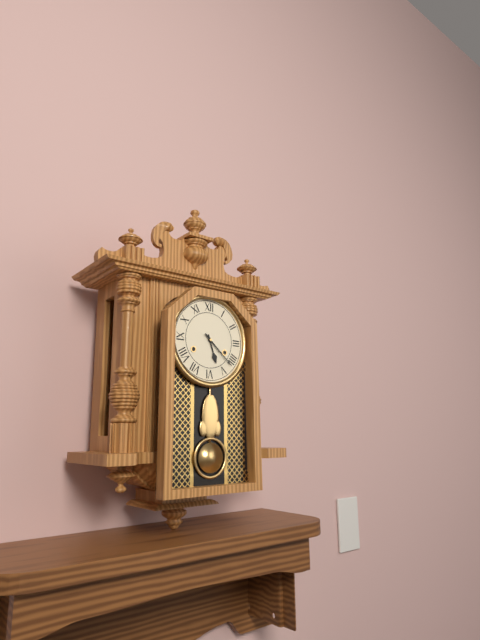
5.22
